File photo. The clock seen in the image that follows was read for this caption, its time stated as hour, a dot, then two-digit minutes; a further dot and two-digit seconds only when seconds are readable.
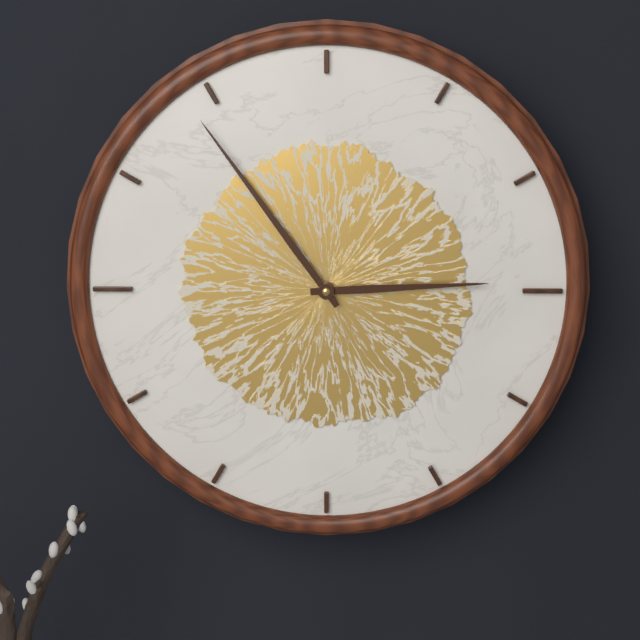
2.54
